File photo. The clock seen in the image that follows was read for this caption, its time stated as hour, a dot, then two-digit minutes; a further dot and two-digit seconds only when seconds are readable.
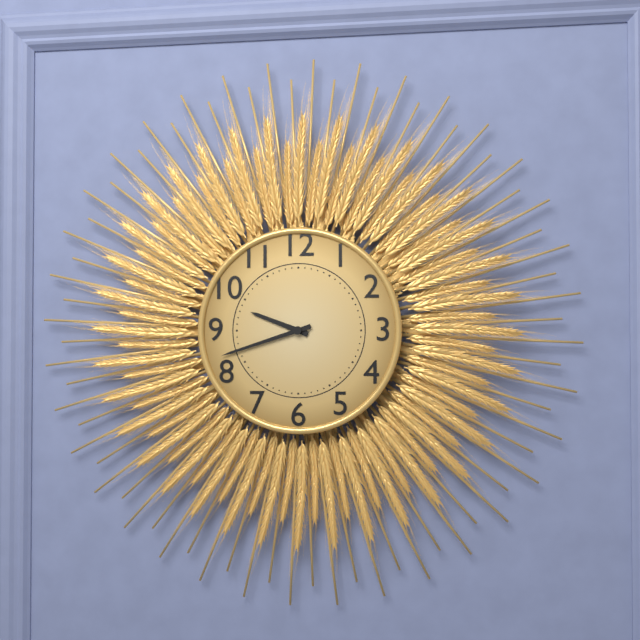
9.42
